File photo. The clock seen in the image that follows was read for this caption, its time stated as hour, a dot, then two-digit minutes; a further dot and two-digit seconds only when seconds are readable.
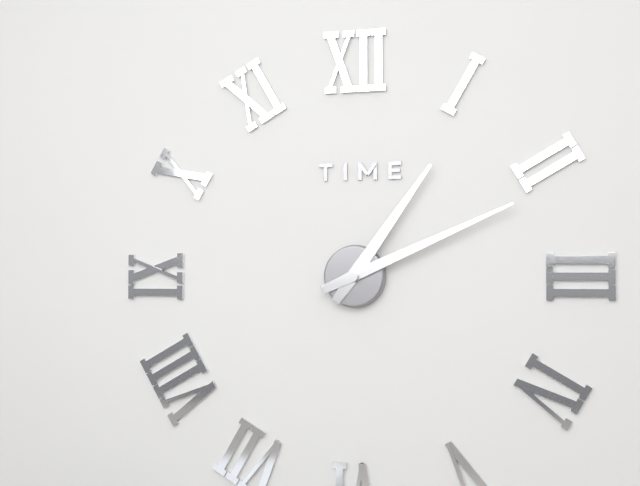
1.11
